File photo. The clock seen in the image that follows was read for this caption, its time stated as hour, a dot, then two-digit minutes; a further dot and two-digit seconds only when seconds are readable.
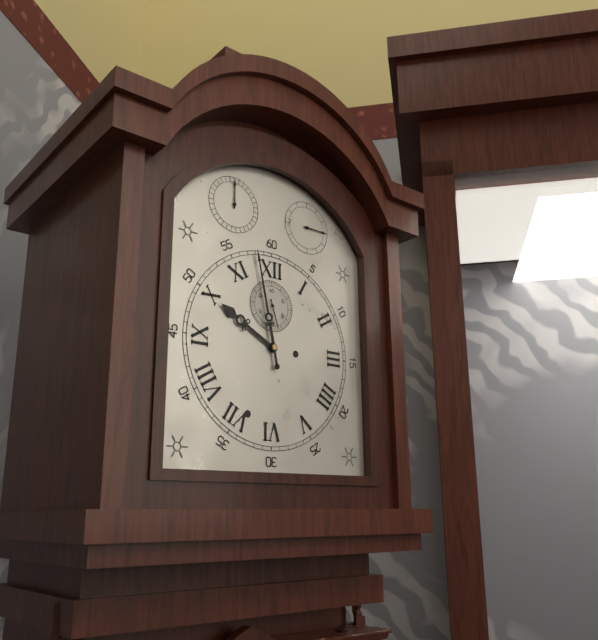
9.58
